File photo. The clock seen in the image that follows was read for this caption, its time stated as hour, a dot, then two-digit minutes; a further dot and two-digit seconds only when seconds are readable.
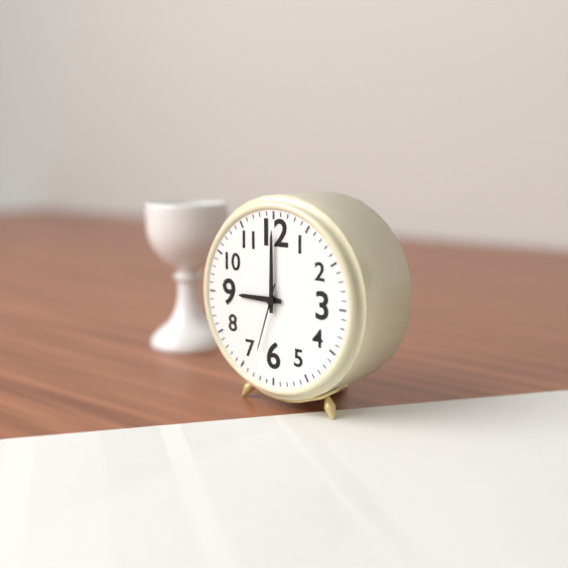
9.00.33
